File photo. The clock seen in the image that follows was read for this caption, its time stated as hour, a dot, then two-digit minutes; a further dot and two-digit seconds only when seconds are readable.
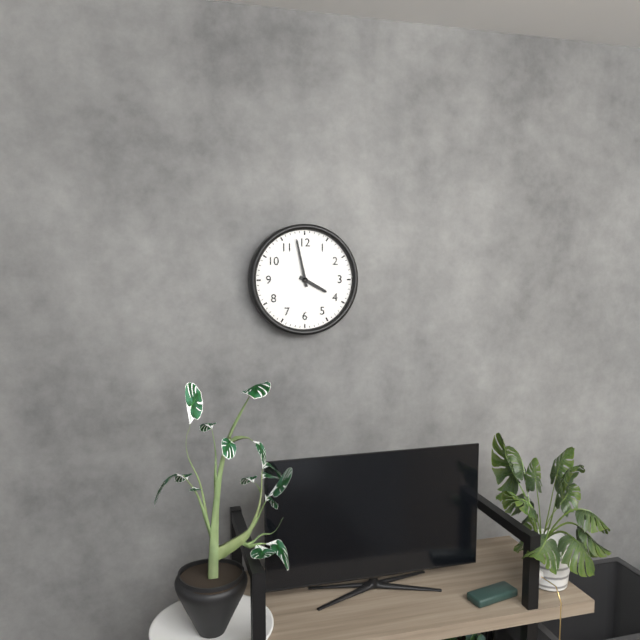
3.58
